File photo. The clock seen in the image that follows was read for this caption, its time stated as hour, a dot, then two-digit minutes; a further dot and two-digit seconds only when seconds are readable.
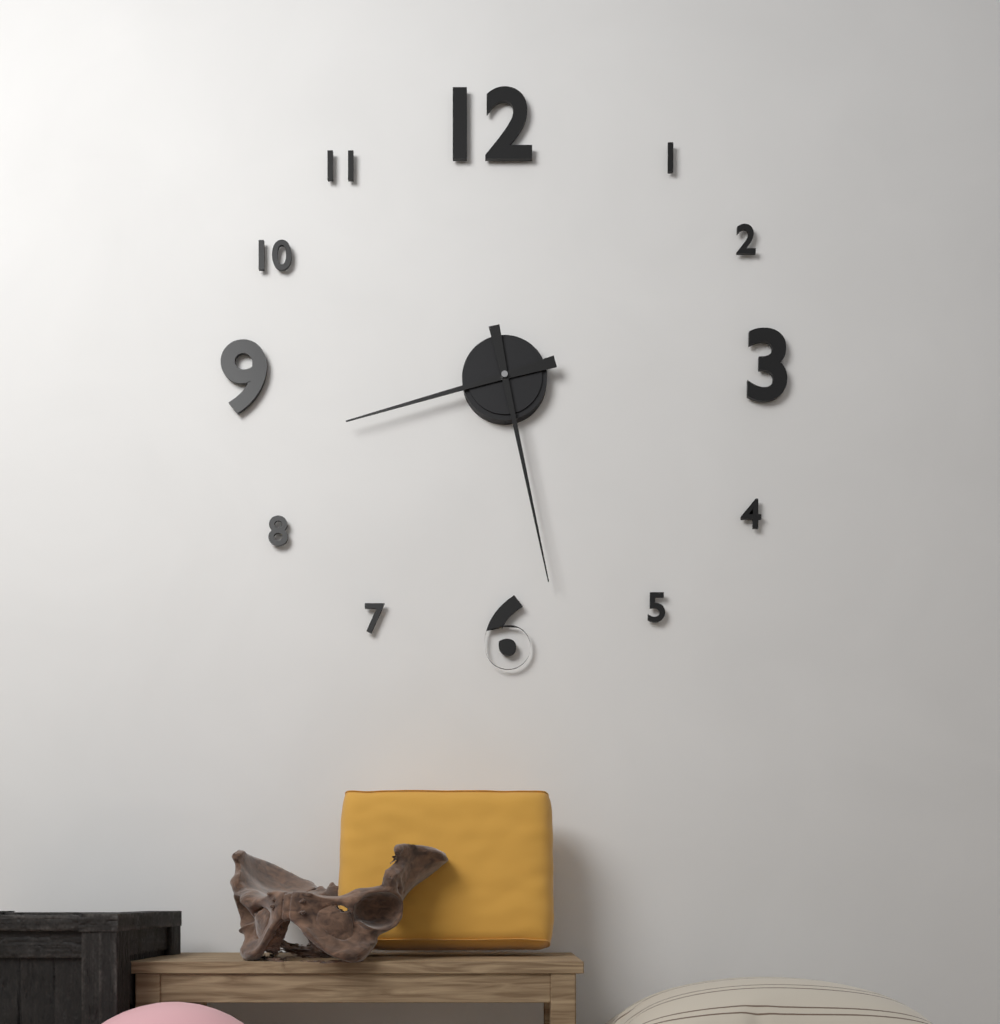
8.28
